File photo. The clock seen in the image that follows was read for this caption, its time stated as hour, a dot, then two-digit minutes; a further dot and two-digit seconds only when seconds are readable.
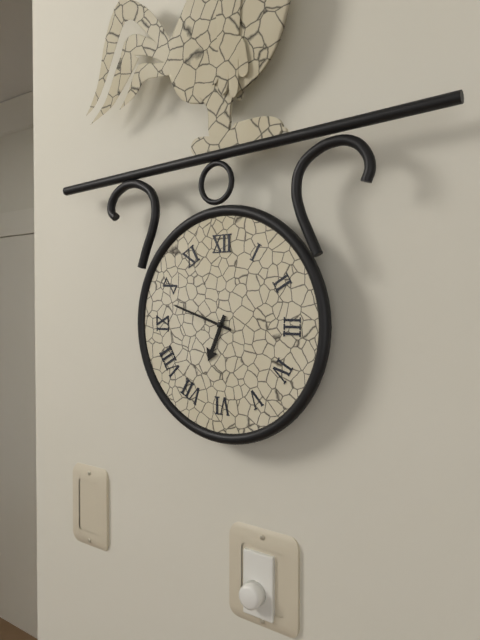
6.48
